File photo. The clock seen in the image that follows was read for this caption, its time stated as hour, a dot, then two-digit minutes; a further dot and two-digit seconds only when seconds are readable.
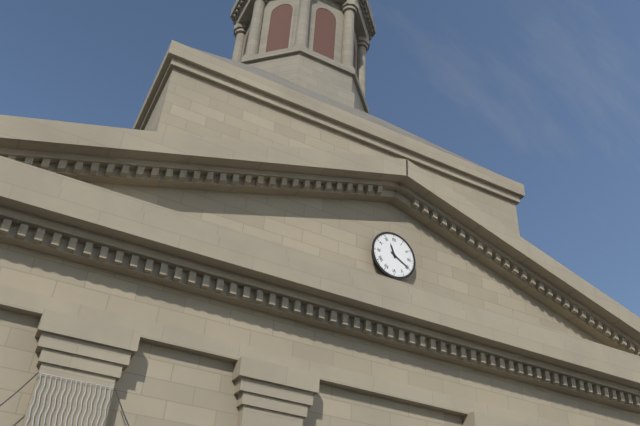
11.20
